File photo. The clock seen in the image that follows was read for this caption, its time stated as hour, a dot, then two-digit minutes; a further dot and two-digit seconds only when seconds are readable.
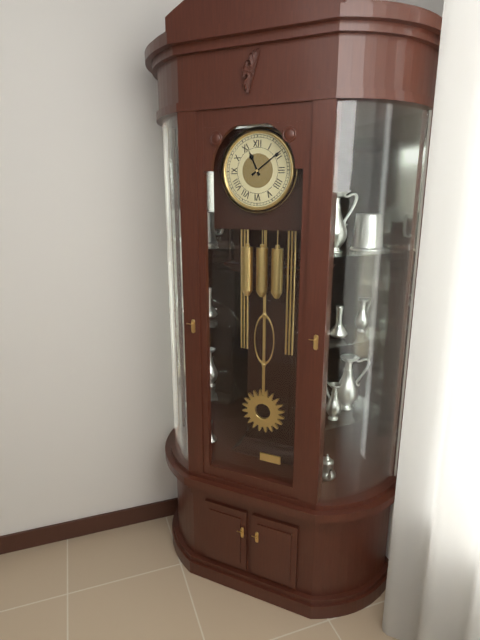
11.09
